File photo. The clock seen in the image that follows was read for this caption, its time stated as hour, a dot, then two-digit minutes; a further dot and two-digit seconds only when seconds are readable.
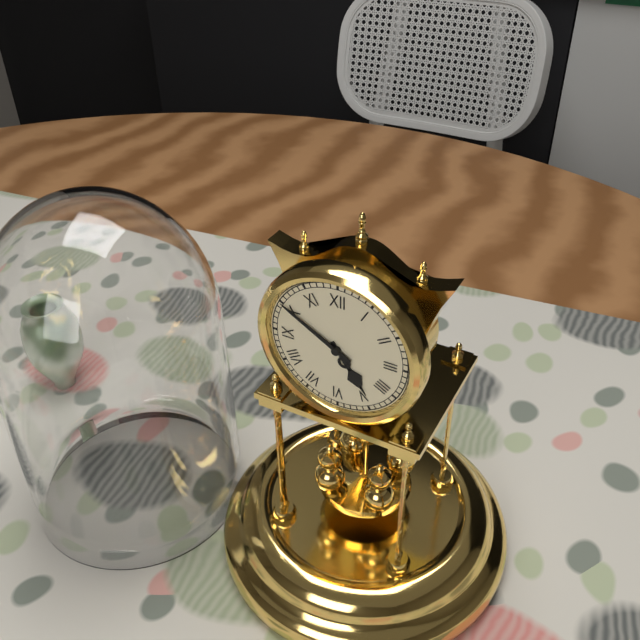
4.50
